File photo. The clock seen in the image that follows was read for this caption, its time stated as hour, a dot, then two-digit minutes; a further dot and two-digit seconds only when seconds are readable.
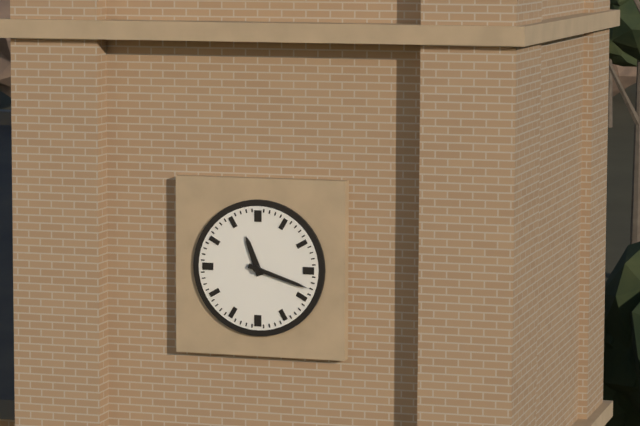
11.18
